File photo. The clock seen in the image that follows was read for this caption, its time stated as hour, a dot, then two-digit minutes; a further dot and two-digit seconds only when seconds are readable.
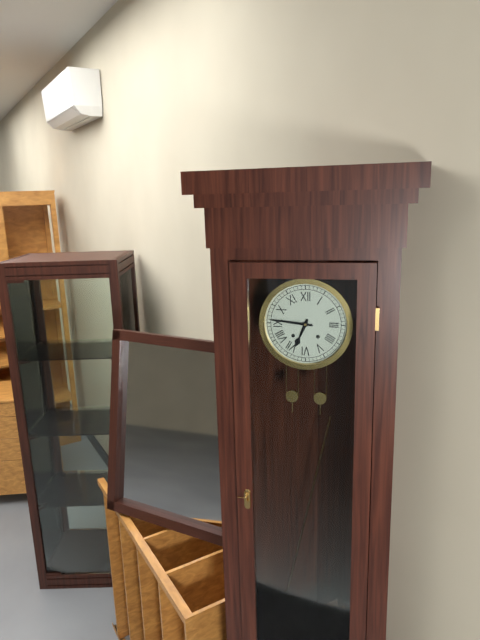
6.46
